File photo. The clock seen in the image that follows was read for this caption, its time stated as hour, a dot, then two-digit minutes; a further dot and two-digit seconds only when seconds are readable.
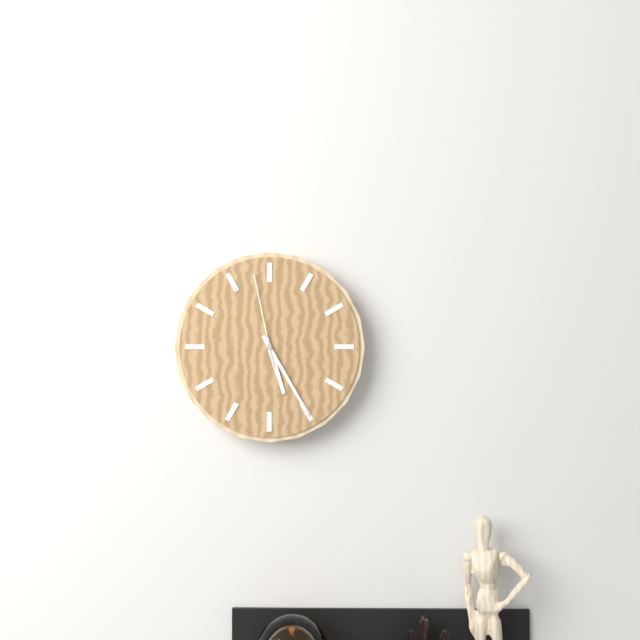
5.25.58
